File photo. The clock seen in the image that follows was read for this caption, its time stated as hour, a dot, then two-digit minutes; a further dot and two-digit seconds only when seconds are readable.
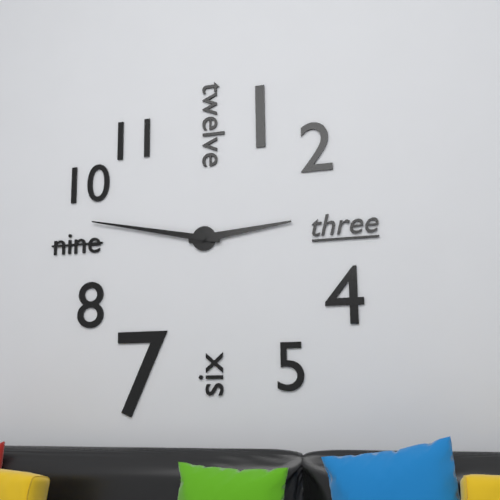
2.47
